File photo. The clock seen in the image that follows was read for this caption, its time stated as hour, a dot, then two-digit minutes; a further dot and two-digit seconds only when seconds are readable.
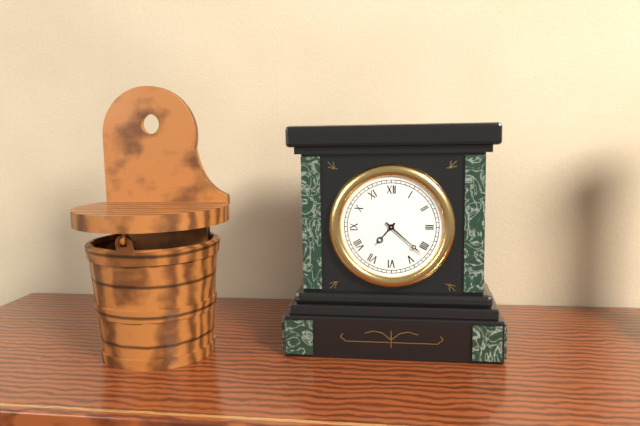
7.22
